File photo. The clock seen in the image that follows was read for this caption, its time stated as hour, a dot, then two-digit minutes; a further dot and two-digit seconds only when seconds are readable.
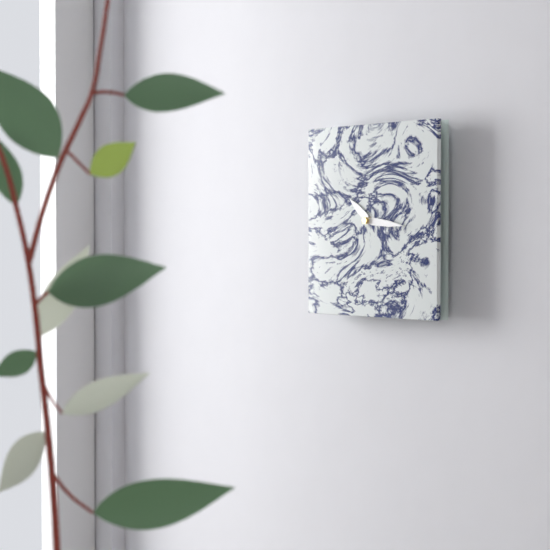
10.16
